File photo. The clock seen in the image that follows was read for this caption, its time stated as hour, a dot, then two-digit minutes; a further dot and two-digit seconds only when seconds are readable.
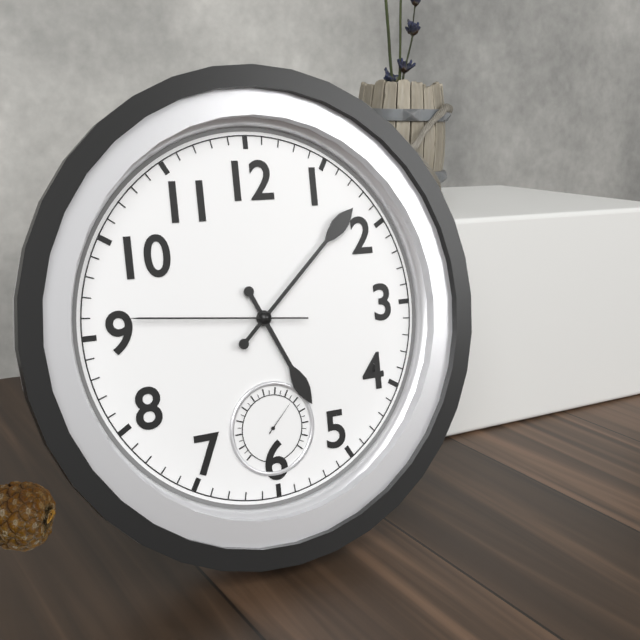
5.08.46
